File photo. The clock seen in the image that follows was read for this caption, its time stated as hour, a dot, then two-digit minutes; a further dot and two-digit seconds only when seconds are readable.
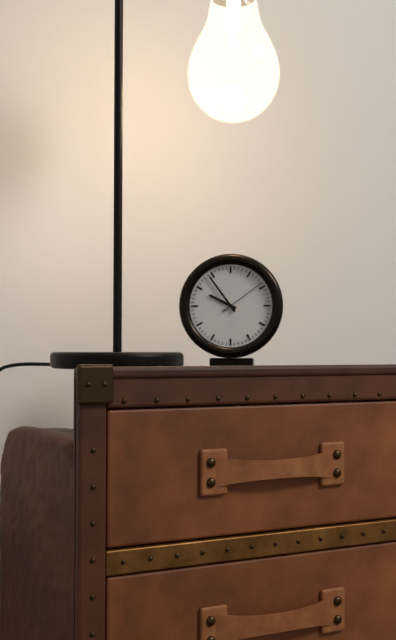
9.54
